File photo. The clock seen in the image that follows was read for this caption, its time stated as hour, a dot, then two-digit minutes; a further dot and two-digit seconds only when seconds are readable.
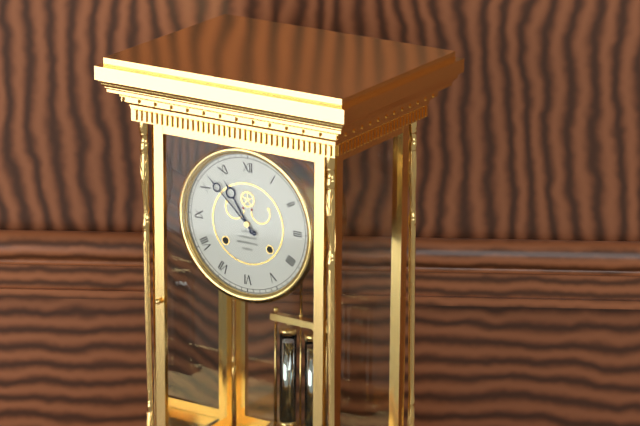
10.52
